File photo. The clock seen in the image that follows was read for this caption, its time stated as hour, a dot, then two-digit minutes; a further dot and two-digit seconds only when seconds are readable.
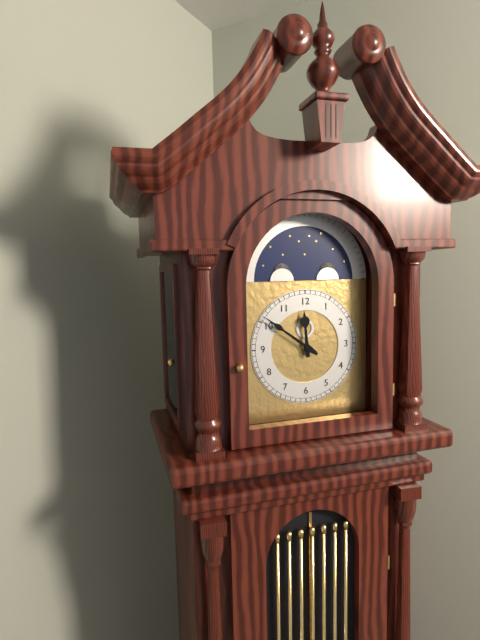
11.51
